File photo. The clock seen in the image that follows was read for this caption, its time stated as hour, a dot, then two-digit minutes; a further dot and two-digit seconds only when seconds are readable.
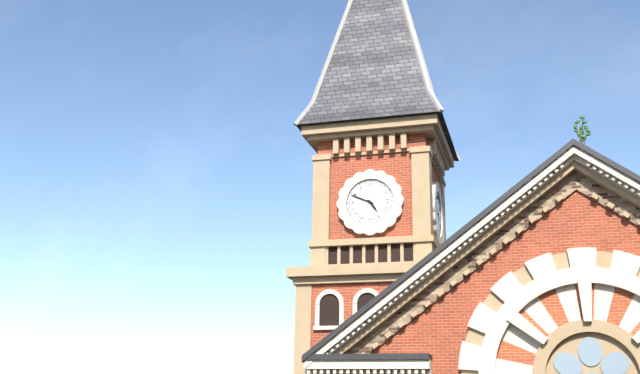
4.49
